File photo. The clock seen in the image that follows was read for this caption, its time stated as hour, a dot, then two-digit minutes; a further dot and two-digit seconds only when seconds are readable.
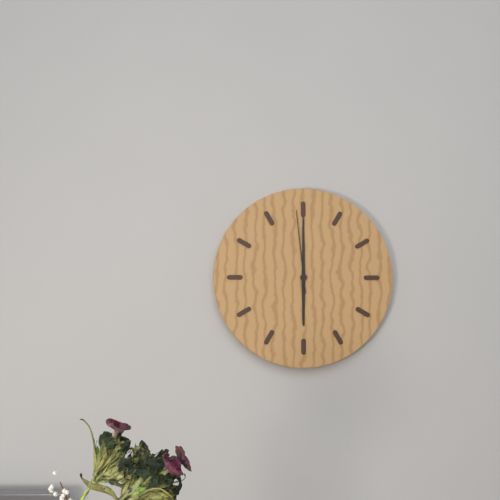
6.00.59
